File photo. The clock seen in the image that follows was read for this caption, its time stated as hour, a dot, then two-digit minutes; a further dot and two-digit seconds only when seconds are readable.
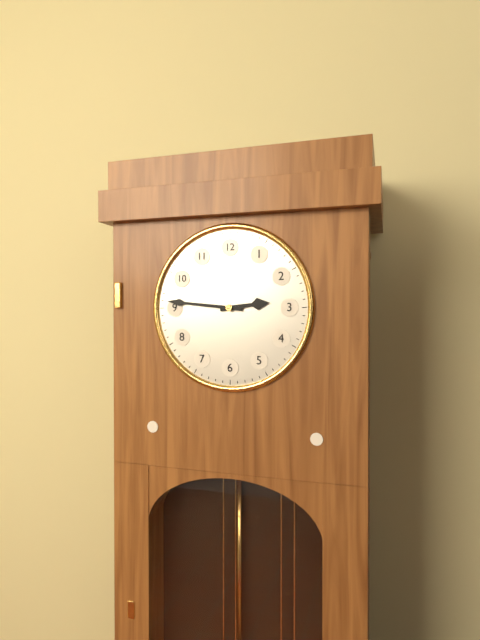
2.46
